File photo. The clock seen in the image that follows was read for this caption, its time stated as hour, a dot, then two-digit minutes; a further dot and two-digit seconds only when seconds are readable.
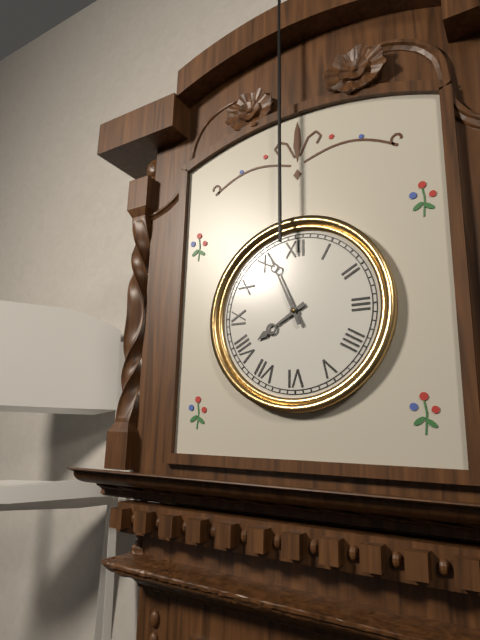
7.56
